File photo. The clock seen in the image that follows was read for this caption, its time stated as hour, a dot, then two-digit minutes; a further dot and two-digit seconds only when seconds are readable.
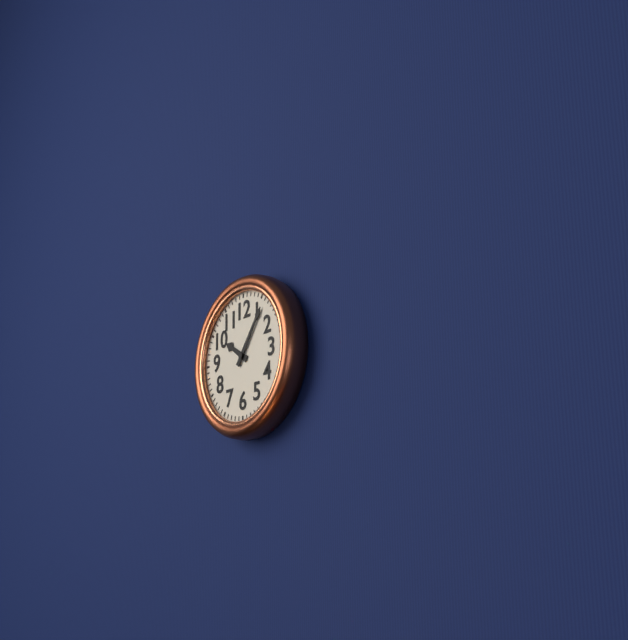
10.06
